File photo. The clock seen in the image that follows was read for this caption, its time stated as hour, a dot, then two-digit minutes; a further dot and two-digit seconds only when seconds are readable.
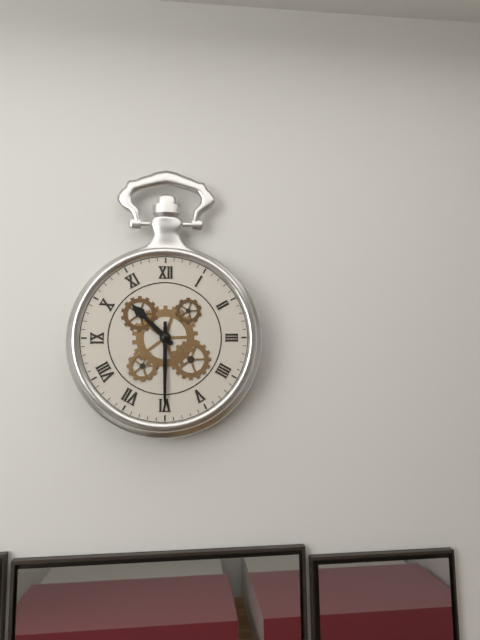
10.30
